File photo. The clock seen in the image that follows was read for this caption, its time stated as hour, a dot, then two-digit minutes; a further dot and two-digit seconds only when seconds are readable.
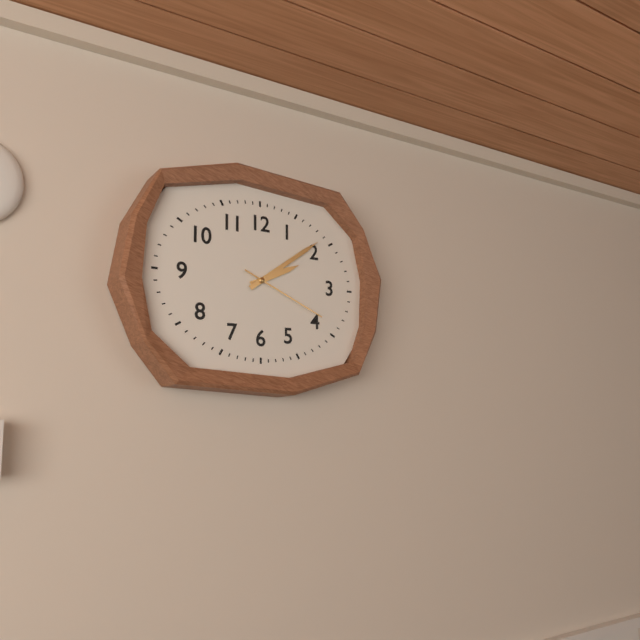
2.09.19
